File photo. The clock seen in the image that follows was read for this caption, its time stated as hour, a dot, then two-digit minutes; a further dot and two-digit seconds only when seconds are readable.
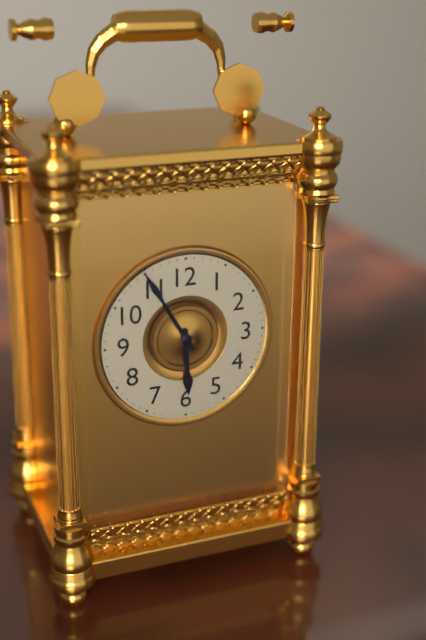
5.55
